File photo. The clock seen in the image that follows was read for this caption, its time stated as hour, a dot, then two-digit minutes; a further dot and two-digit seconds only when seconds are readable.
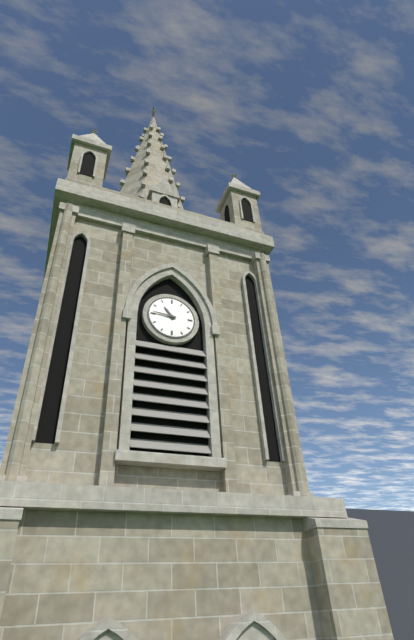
10.46
